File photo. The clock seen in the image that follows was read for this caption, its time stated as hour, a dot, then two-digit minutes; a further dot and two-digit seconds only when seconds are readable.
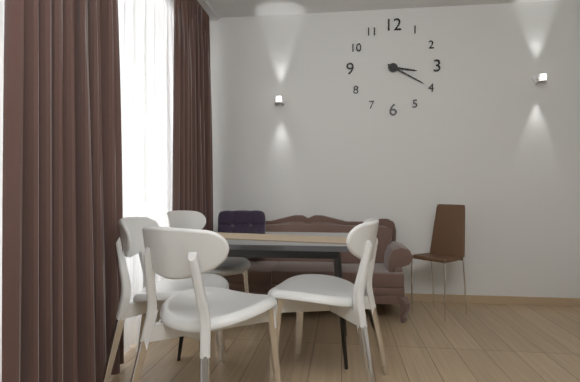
3.20
